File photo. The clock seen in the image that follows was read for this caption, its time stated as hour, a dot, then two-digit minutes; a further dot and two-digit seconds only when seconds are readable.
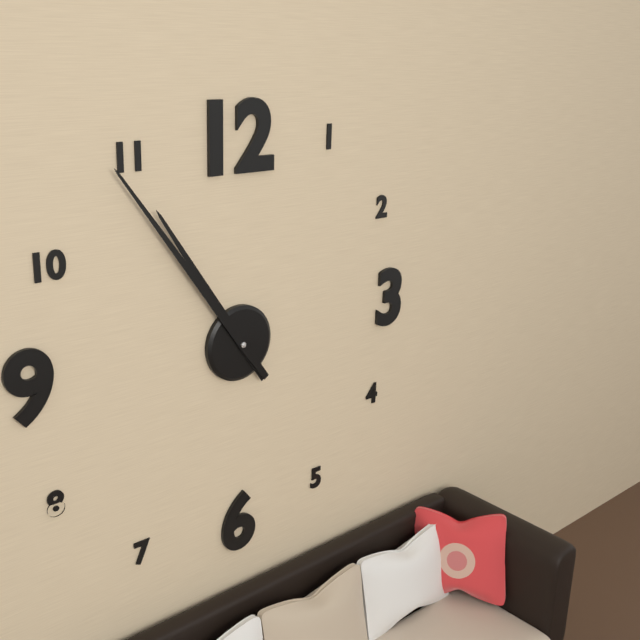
10.54
